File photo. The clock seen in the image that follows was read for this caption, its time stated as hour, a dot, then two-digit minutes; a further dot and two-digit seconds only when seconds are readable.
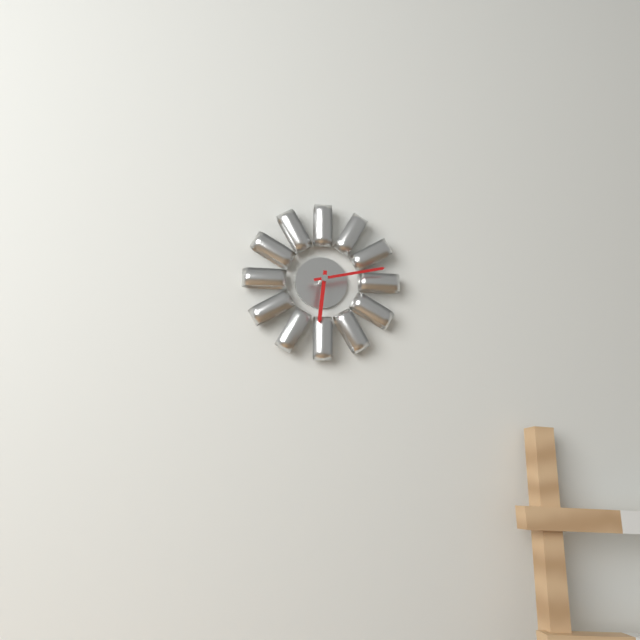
6.13
